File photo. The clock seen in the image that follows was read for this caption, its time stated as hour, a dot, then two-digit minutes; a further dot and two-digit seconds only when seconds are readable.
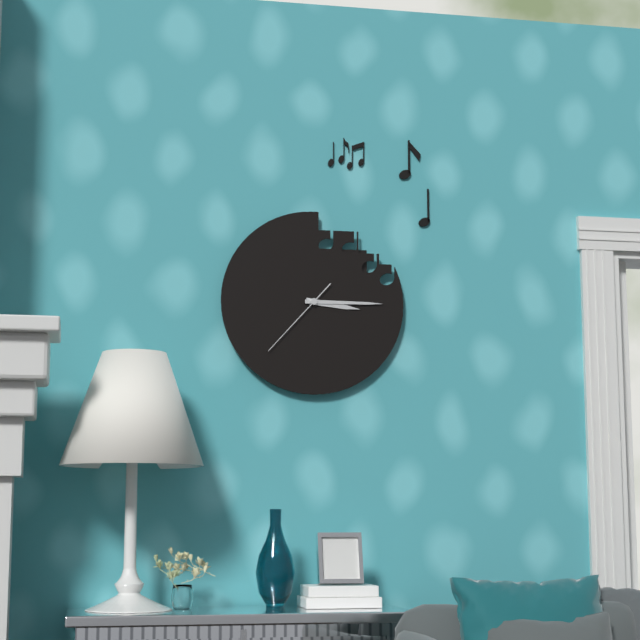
3.15.37
